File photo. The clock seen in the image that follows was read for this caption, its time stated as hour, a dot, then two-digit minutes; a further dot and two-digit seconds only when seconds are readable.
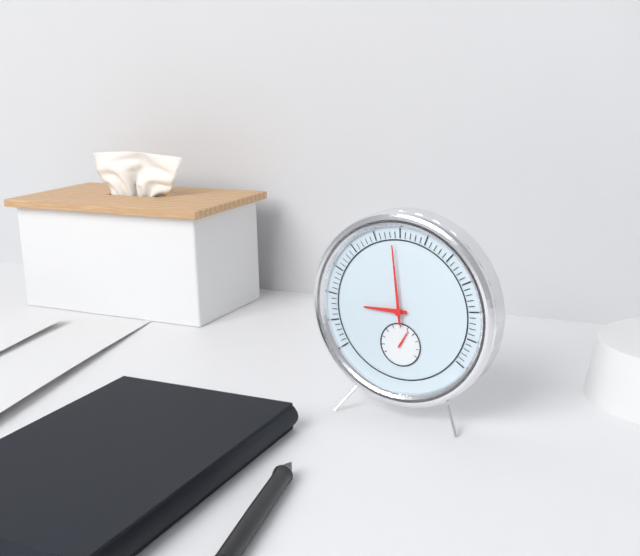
8.59
